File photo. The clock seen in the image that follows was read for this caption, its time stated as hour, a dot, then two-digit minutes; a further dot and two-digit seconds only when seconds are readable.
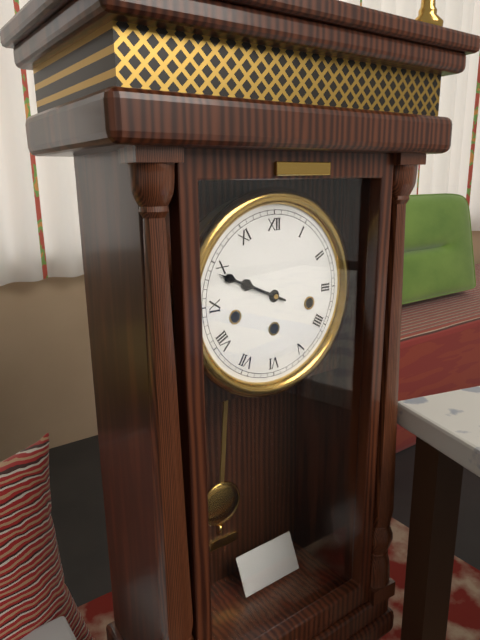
9.49
